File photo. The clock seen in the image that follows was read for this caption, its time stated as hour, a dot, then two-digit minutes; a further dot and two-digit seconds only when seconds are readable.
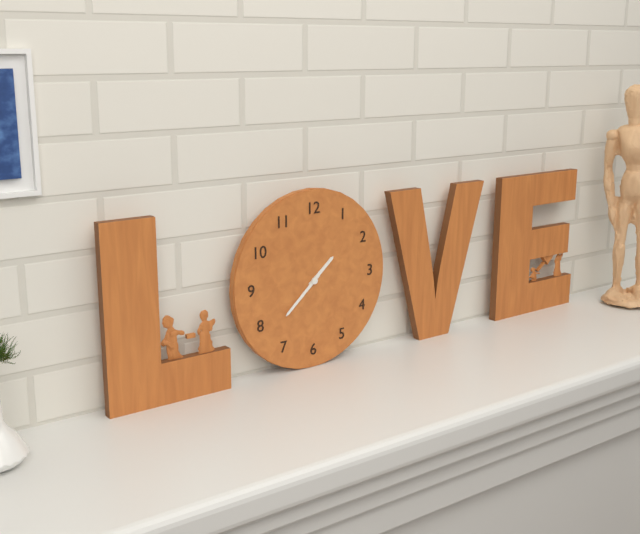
1.38
